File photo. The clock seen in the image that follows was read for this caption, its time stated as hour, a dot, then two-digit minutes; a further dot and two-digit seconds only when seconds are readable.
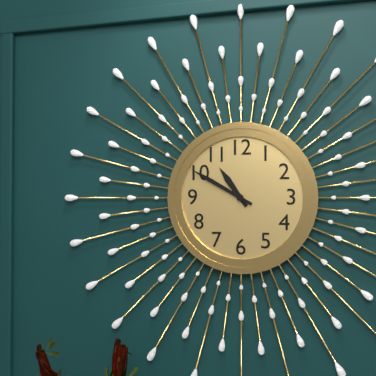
10.50
